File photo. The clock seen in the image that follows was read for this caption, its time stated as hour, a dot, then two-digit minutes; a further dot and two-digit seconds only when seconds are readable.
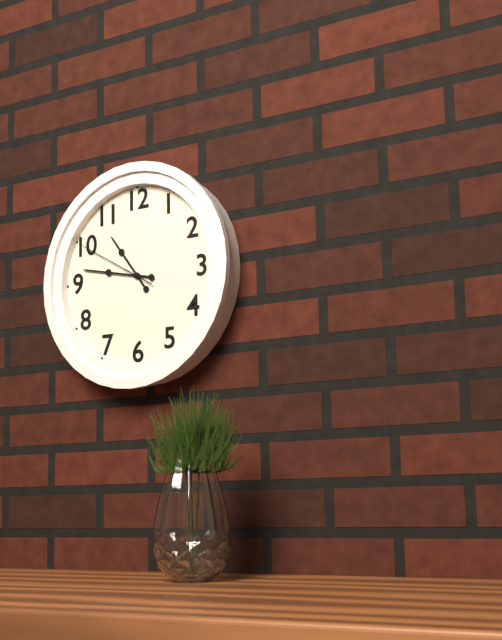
10.47.50
